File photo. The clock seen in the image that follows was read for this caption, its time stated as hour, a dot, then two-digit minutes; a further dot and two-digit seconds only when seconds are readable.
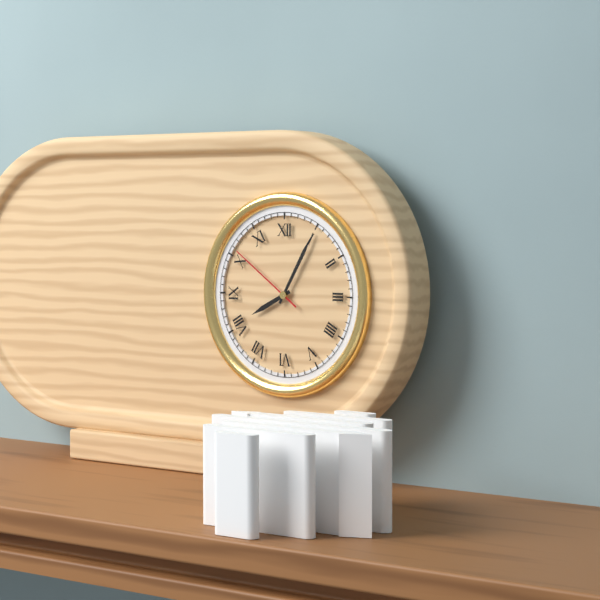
8.05.51
